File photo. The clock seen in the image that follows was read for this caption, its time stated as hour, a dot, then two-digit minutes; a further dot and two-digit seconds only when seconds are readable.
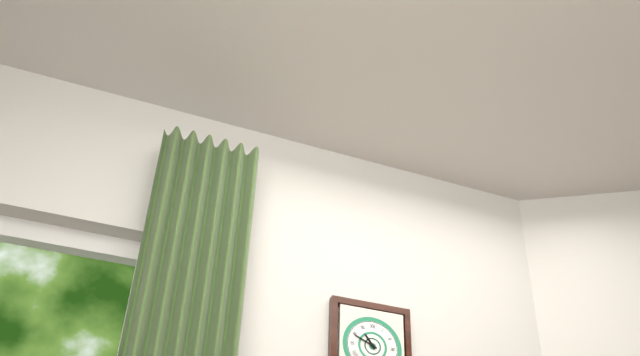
10.49
